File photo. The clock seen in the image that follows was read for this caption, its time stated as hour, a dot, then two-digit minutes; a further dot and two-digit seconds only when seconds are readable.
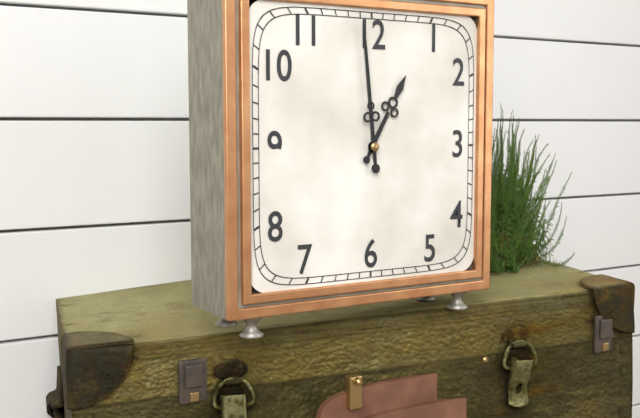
12.59
